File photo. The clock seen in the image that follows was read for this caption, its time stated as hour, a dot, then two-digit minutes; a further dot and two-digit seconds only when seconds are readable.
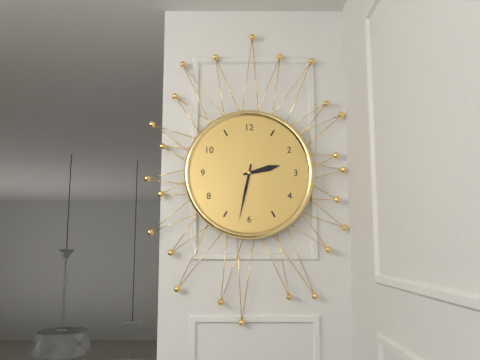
2.32
